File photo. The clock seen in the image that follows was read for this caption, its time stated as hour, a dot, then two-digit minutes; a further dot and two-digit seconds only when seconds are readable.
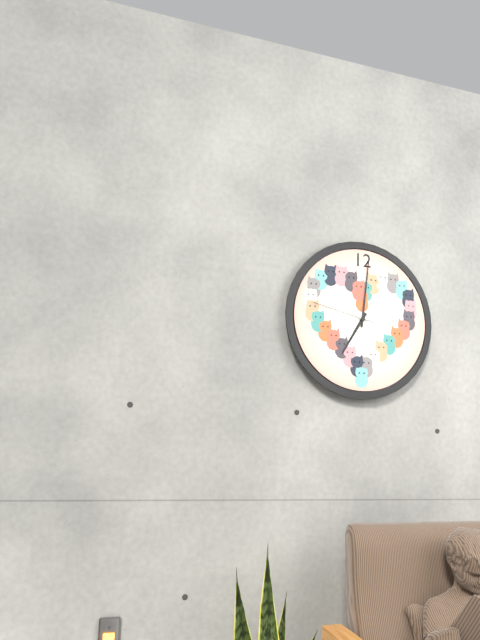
7.01.47
